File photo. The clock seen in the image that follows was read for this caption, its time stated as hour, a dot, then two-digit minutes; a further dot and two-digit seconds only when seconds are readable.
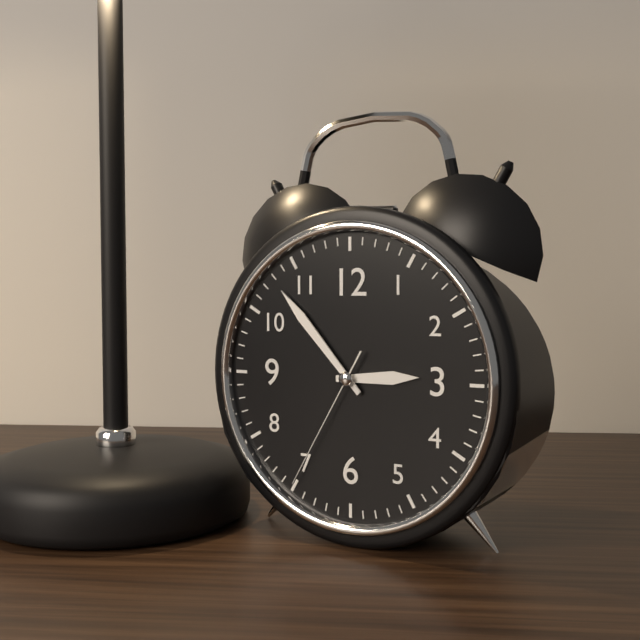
2.53.35
